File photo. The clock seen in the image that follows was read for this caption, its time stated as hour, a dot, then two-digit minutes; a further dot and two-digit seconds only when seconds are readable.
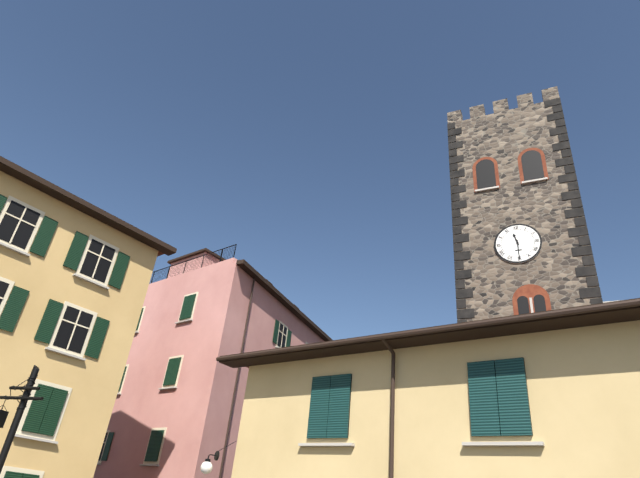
11.30
